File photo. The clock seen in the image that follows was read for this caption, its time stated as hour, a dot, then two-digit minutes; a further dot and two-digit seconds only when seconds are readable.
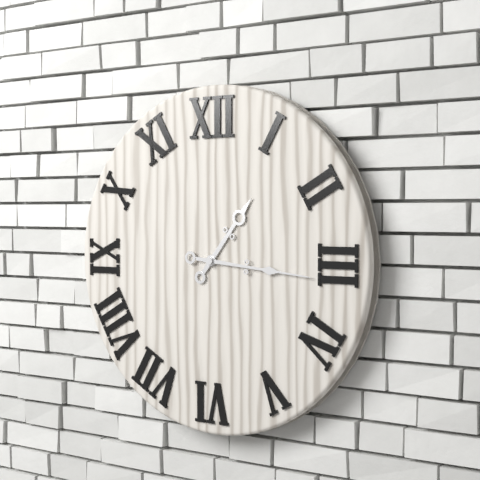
1.16
